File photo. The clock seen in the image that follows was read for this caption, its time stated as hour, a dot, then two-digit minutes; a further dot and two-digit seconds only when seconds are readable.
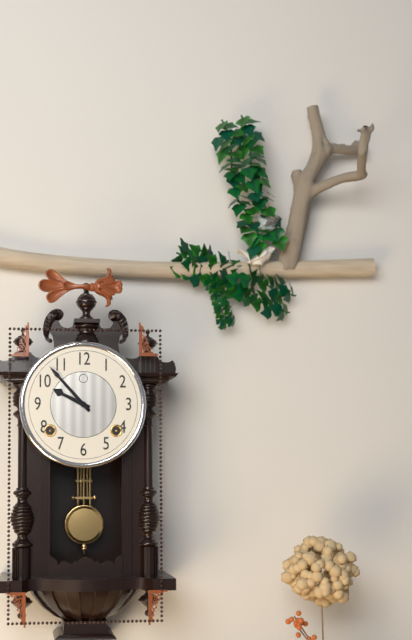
9.53
